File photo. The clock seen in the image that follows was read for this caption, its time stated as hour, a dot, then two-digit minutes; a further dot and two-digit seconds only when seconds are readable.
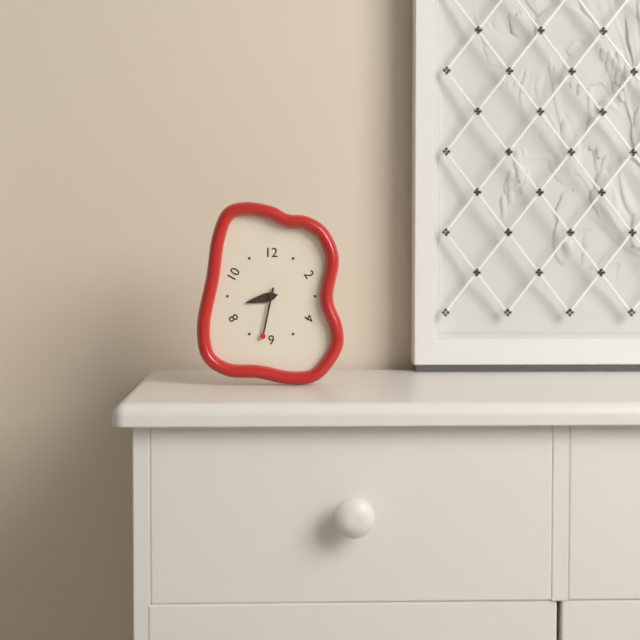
8.32
